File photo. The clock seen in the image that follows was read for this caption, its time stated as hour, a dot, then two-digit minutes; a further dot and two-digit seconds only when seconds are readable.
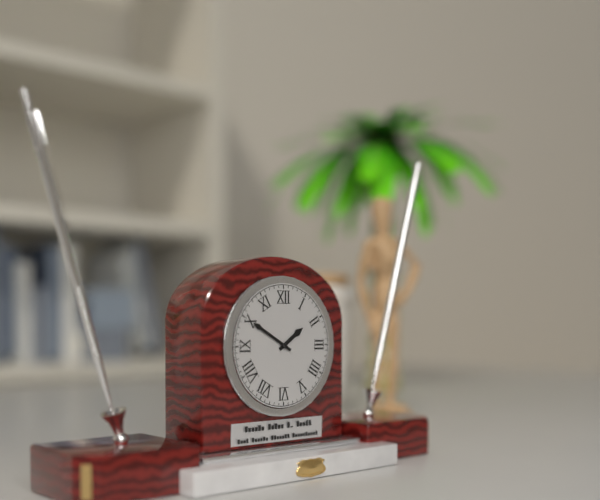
1.50
